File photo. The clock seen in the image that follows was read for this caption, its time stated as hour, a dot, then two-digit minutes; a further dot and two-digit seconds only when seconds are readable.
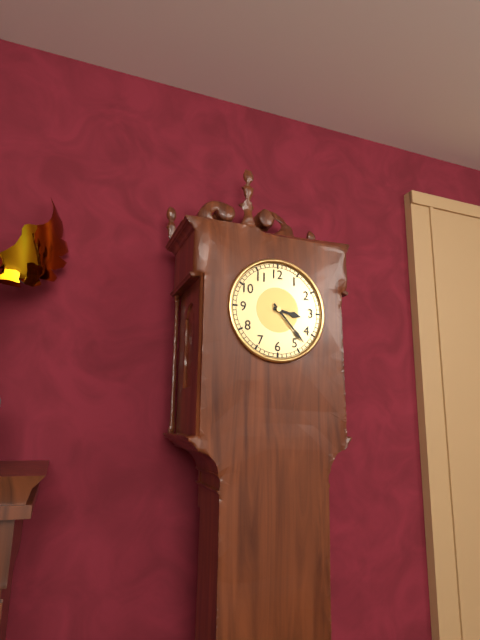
3.23
